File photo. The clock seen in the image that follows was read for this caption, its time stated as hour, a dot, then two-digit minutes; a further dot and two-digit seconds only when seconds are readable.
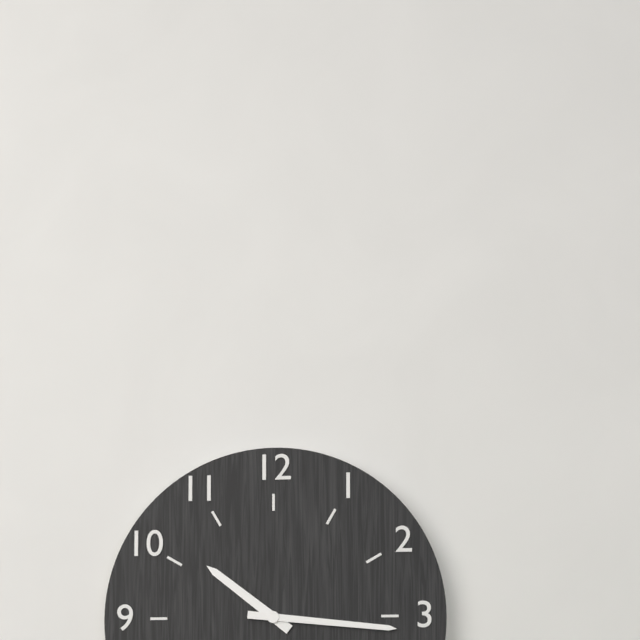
10.16
